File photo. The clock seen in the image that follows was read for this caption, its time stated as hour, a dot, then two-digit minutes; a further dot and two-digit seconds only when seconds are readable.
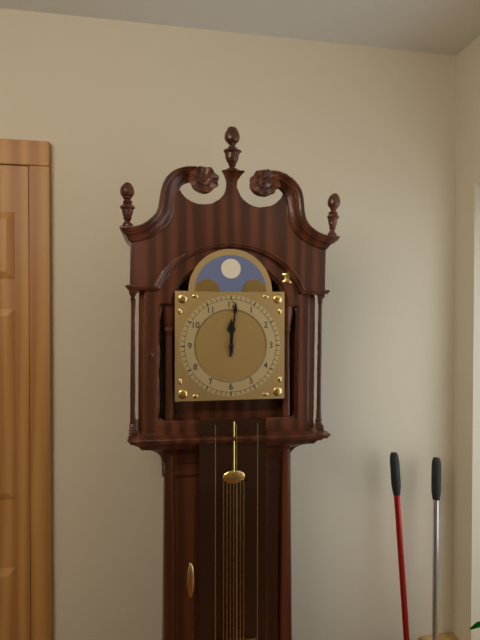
12.01
